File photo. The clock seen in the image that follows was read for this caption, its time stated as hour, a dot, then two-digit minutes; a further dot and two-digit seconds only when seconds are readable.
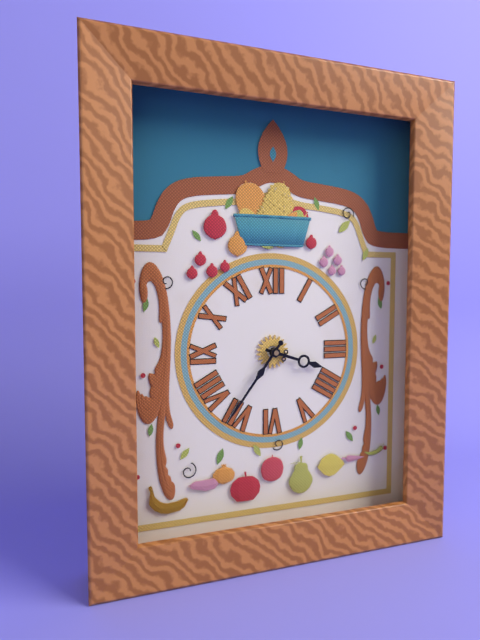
3.36
